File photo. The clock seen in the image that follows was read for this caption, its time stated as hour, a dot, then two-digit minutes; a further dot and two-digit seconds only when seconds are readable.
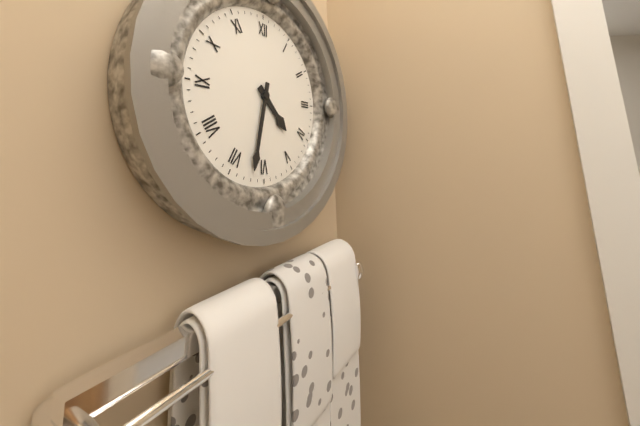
4.32
